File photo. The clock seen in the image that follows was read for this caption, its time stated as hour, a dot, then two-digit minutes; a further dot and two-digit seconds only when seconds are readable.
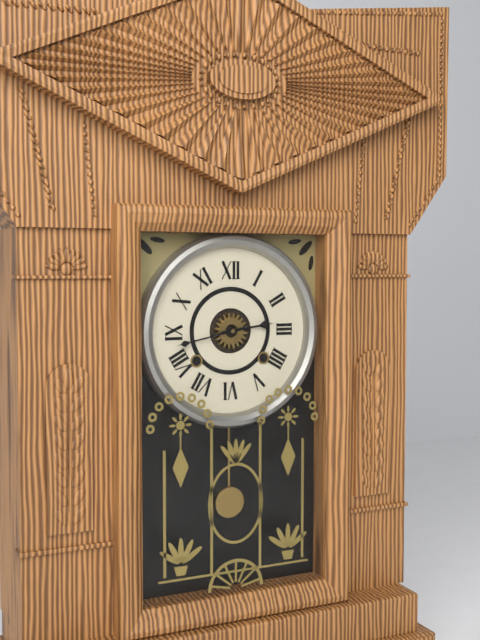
2.43
